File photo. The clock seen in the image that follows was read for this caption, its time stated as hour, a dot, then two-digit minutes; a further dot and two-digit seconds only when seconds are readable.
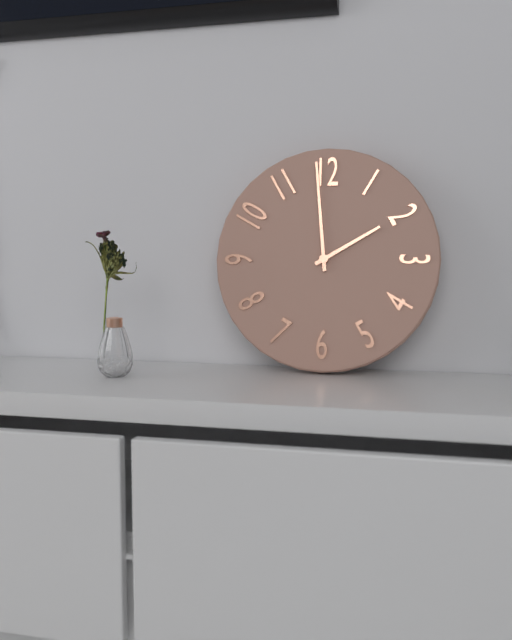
1.59
